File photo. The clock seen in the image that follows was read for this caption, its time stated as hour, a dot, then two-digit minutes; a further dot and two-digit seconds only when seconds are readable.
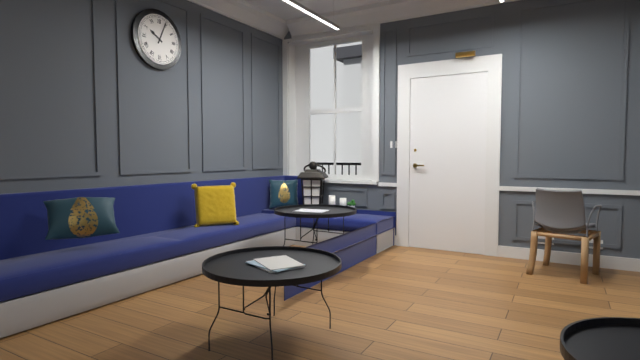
10.04
